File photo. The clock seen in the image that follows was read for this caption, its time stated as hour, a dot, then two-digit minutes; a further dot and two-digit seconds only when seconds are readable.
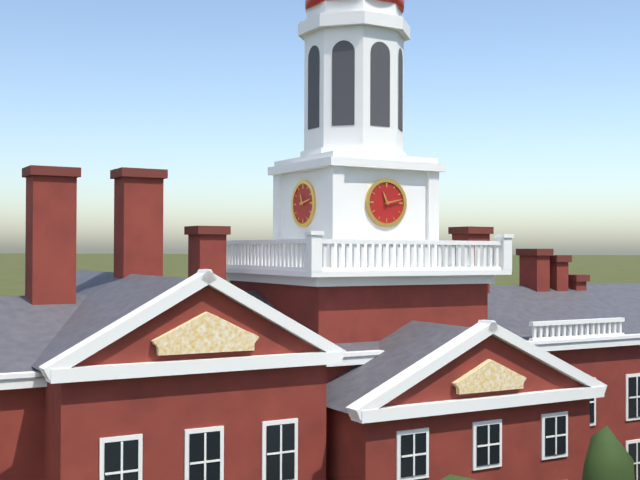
11.13
